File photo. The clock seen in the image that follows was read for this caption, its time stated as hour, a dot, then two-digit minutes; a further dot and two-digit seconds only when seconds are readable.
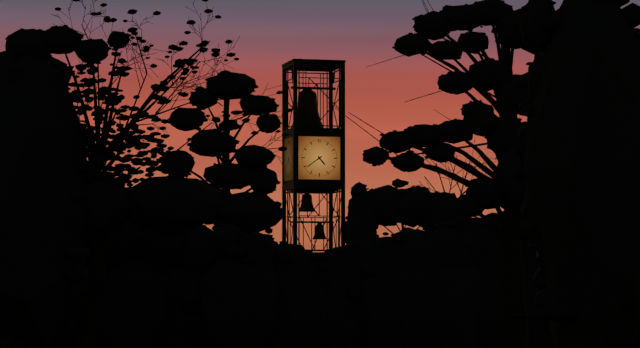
4.39
